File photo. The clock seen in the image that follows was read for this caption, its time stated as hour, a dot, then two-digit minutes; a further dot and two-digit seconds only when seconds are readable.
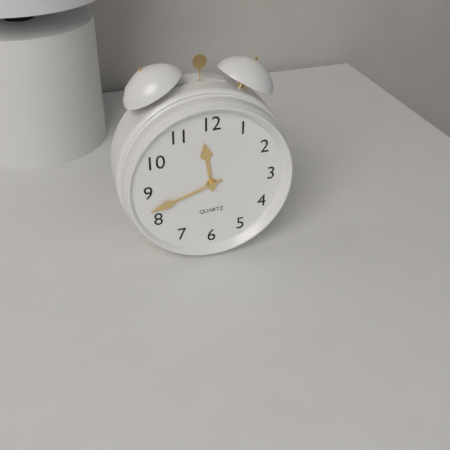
11.42
